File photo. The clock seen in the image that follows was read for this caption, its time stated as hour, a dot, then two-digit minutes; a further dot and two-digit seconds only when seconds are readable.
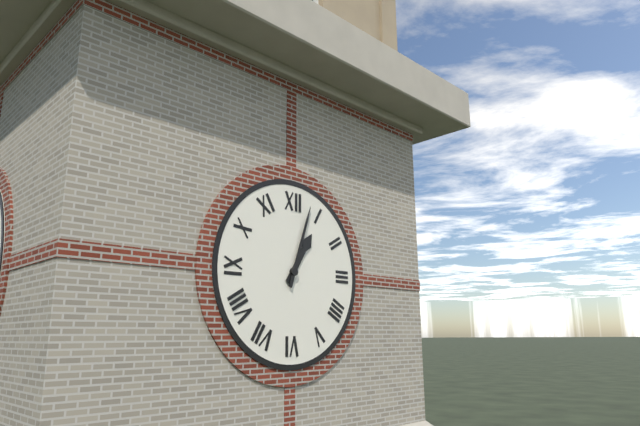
1.03
